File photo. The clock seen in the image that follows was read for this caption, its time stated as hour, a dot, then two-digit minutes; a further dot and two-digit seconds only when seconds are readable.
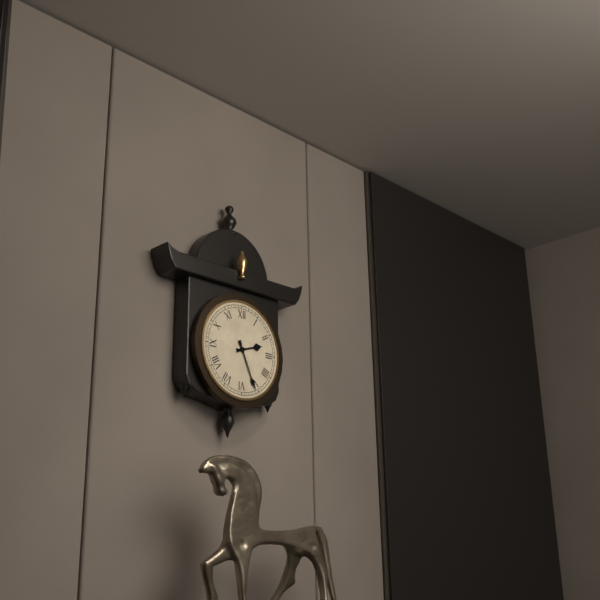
2.26
